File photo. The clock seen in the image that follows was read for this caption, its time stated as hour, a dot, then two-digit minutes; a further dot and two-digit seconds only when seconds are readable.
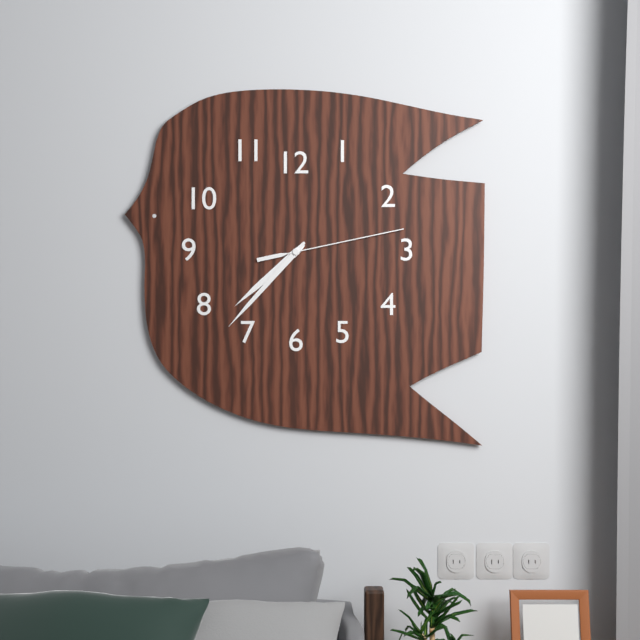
7.37.13
